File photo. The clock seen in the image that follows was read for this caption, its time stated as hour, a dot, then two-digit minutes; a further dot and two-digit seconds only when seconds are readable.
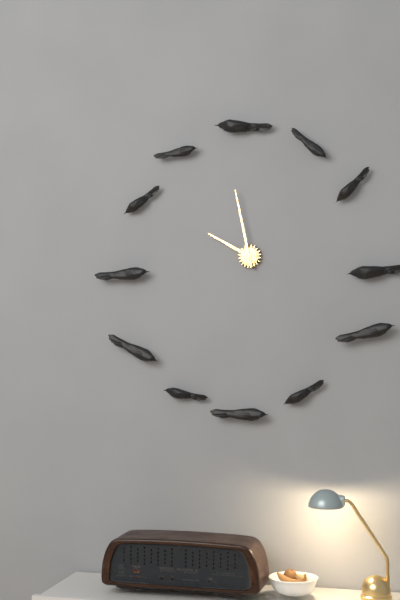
9.58
